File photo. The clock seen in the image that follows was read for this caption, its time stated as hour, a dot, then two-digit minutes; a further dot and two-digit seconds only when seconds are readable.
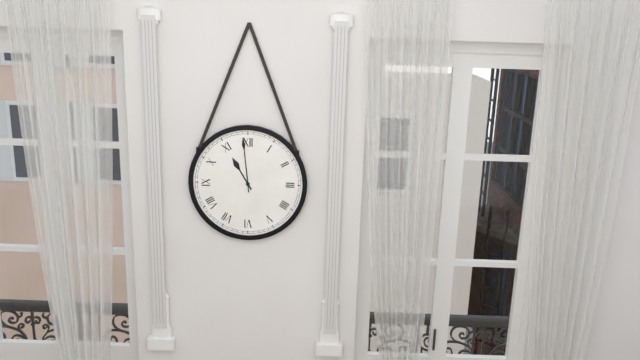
10.59
